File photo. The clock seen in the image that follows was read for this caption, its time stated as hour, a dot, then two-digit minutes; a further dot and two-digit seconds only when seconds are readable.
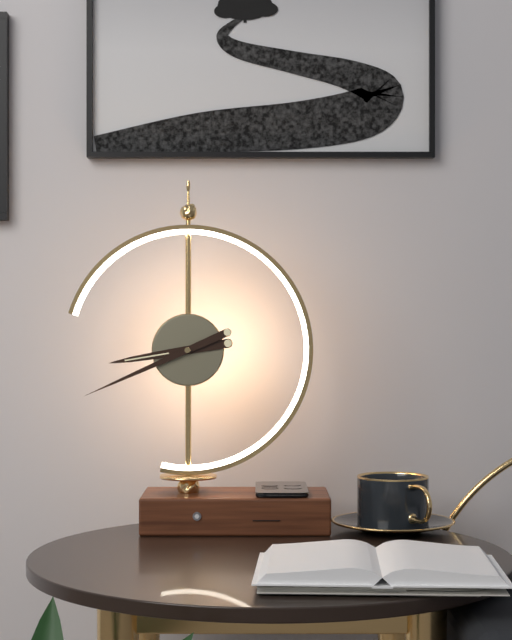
8.41
